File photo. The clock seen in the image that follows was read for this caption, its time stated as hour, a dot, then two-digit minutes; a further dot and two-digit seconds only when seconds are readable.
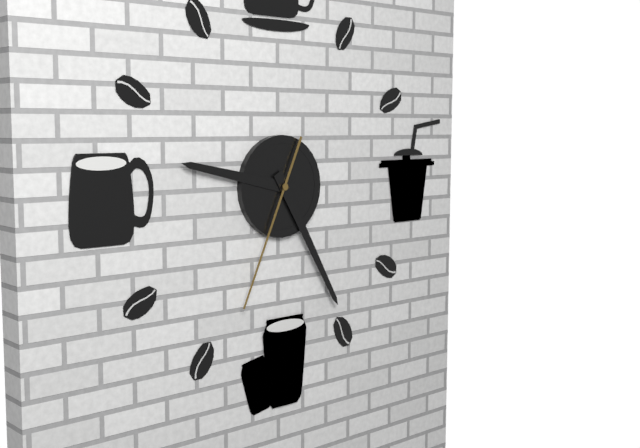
9.25.34
